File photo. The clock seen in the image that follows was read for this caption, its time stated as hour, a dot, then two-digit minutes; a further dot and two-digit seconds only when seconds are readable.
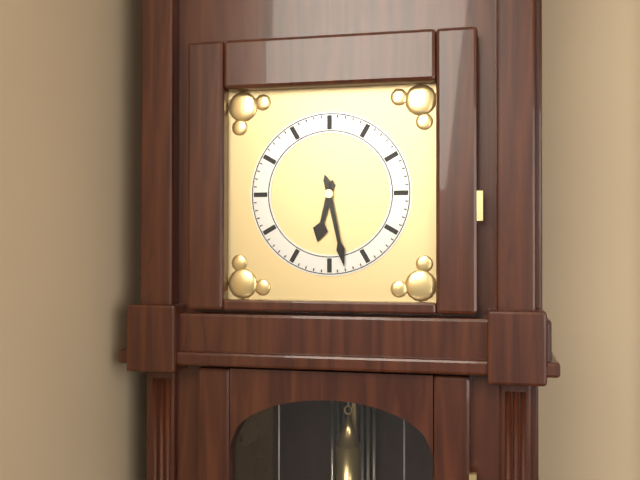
6.28
